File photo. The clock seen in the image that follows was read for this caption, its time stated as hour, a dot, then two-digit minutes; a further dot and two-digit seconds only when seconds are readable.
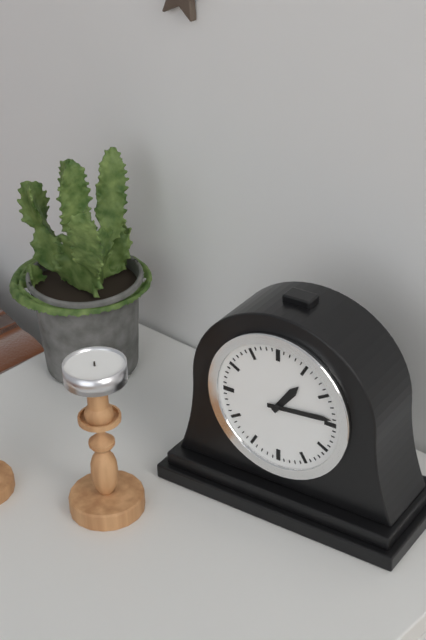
1.14
